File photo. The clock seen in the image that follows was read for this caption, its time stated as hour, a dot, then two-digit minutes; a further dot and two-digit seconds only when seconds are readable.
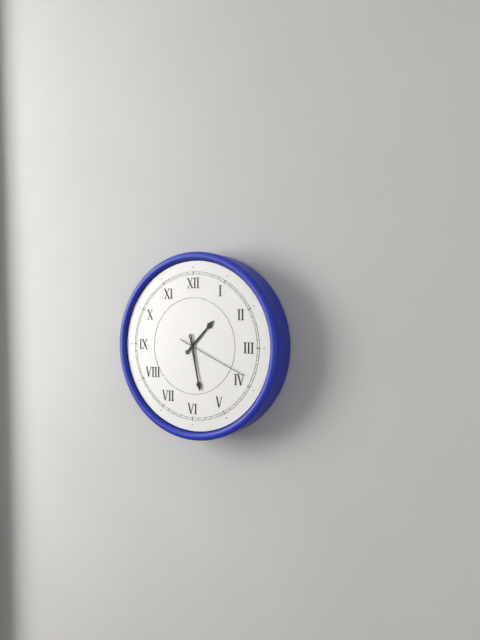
1.28.19
